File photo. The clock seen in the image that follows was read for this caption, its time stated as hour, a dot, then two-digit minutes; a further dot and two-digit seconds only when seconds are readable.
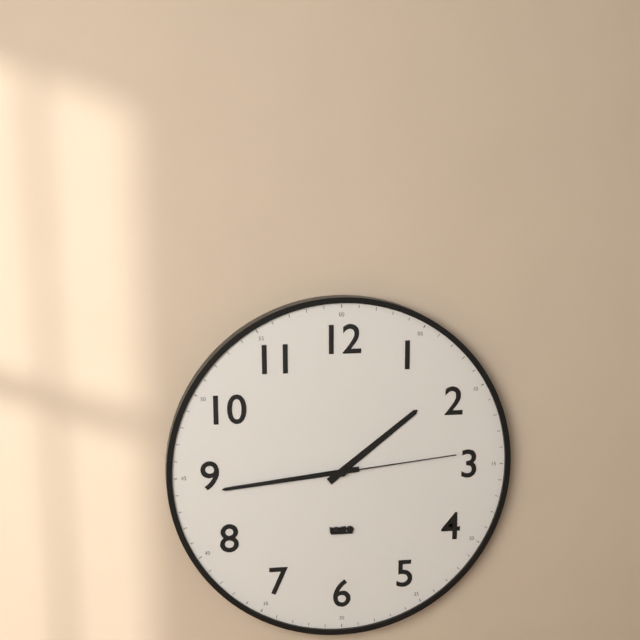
1.44.14
